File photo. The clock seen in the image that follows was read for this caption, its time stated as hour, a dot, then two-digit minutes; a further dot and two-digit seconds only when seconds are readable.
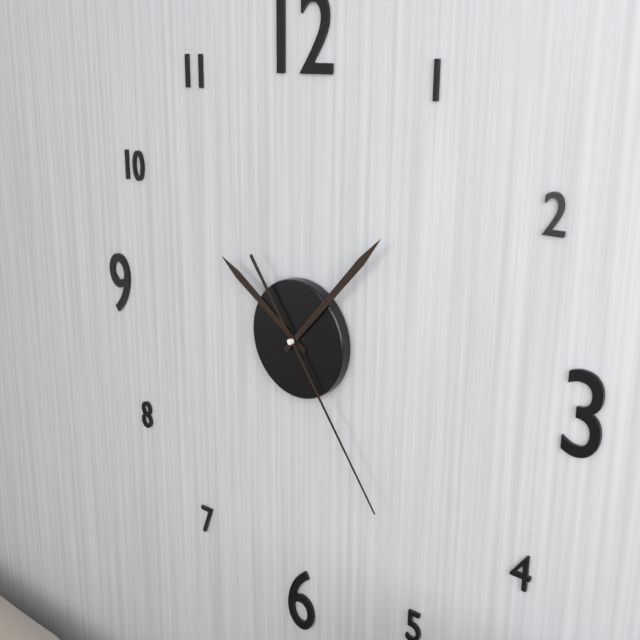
10.07.24
